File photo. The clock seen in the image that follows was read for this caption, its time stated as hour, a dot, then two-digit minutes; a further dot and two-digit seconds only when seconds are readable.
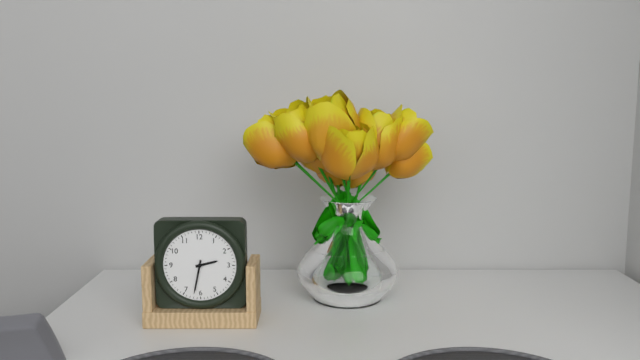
2.32
